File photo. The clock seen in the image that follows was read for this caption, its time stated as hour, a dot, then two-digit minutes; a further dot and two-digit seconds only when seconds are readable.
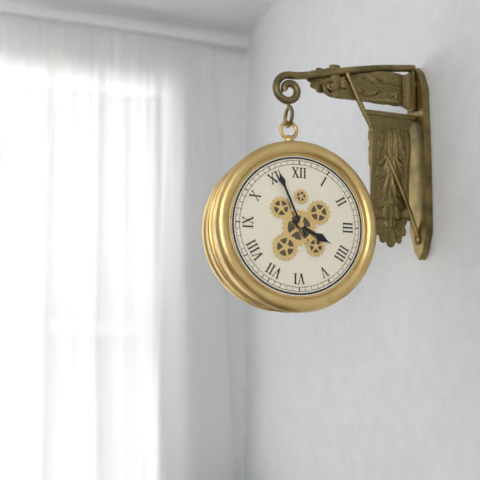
3.56
